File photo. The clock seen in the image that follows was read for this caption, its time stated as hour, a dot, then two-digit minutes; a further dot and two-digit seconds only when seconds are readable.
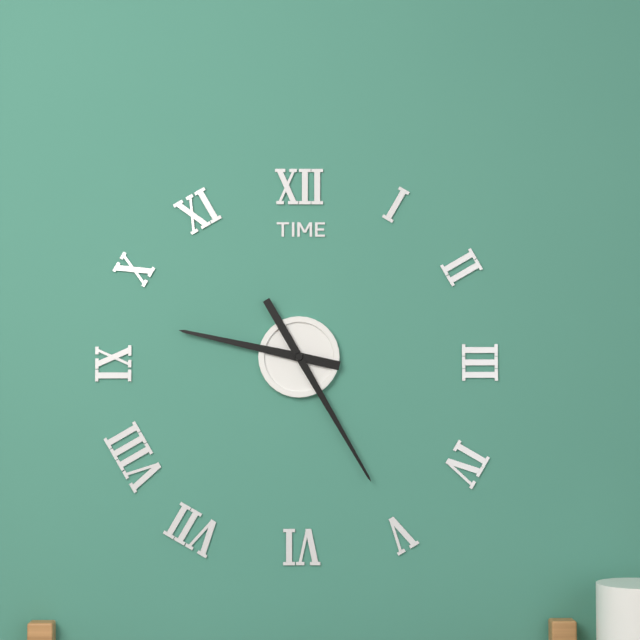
9.25
